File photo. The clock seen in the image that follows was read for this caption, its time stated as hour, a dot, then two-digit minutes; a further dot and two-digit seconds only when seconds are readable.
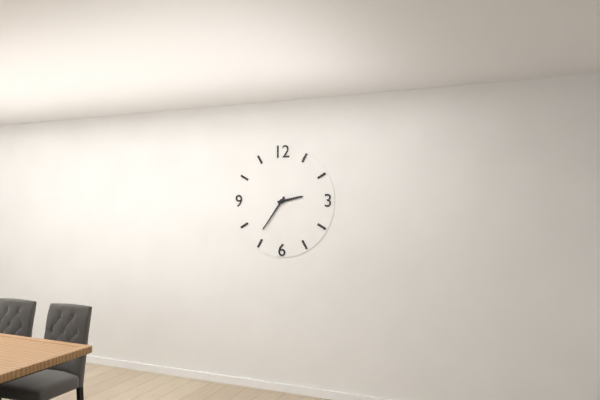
2.36
